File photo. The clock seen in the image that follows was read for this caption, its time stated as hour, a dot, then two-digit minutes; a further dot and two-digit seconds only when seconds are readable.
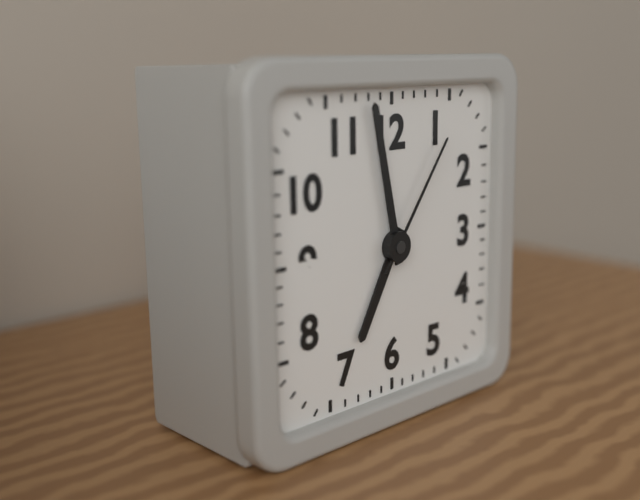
6.58.06
